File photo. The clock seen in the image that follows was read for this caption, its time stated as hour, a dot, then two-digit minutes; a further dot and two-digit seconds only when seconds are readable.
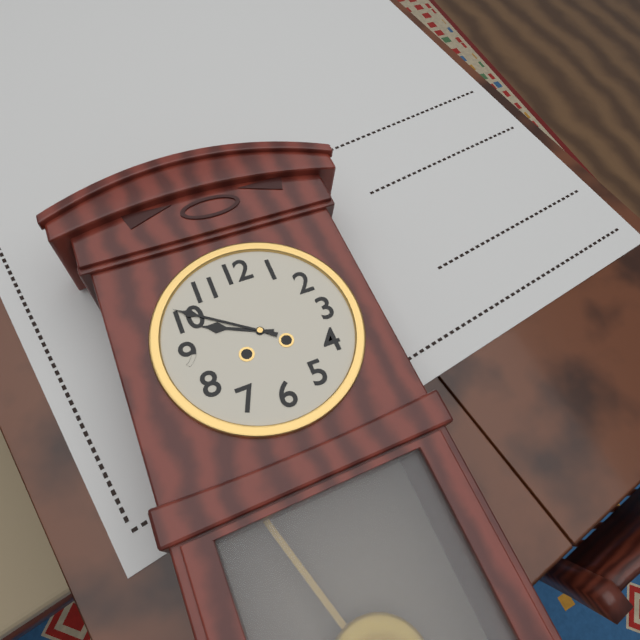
9.51
